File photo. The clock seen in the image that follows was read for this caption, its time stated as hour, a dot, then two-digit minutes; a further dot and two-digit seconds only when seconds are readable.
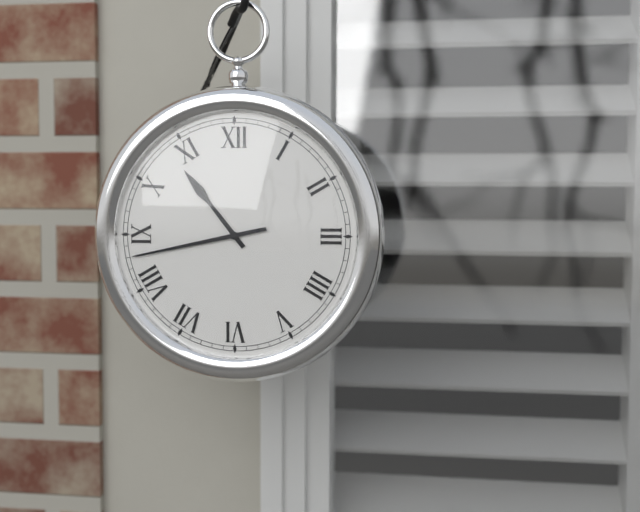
10.43
